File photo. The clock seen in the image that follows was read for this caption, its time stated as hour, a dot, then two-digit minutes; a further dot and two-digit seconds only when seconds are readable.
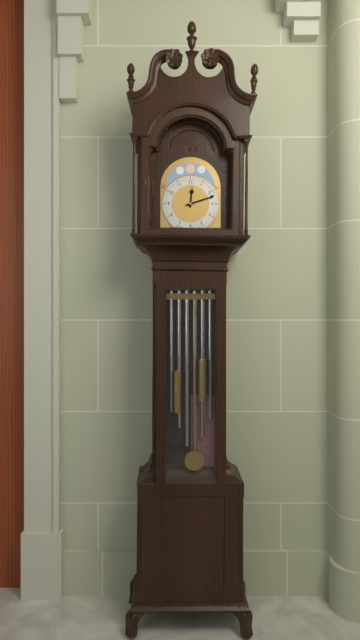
12.12
